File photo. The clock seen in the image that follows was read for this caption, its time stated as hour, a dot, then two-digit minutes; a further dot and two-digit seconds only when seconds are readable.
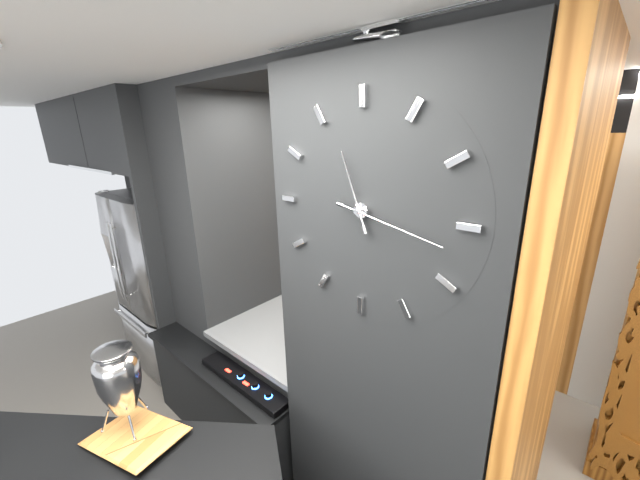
11.17
